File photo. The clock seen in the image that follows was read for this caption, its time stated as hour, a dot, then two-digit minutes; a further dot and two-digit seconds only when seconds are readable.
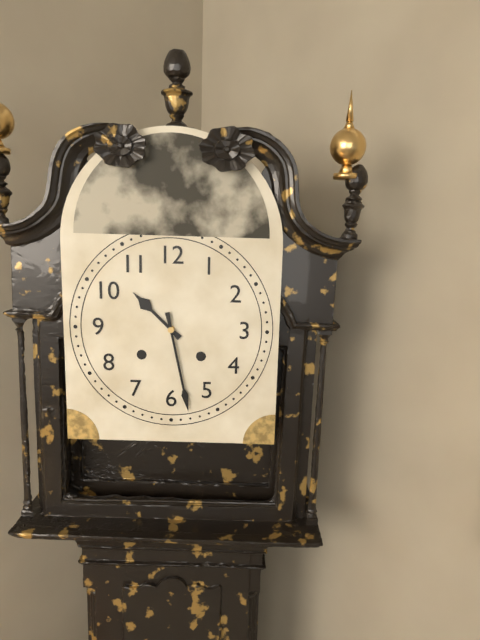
10.28
